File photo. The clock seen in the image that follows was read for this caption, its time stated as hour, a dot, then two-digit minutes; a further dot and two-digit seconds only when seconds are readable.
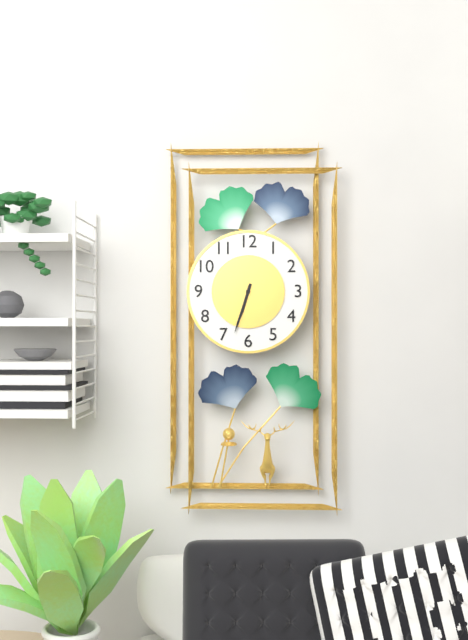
6.33
